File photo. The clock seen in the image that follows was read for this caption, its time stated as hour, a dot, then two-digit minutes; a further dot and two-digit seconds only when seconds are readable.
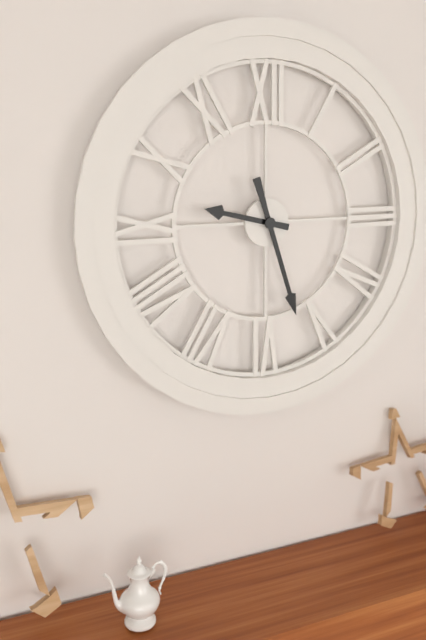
9.27
